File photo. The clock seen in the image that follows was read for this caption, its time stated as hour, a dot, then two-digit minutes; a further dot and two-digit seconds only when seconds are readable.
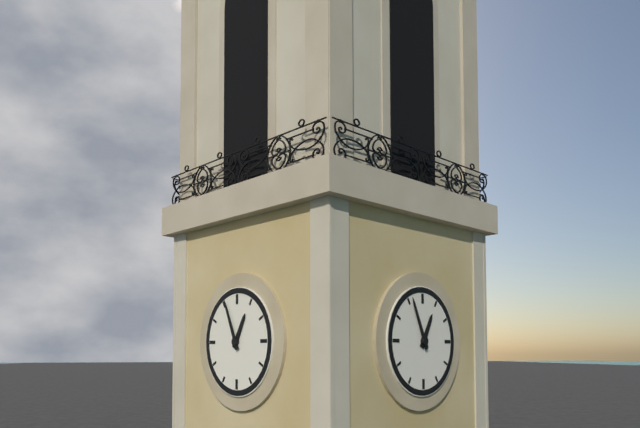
12.56
